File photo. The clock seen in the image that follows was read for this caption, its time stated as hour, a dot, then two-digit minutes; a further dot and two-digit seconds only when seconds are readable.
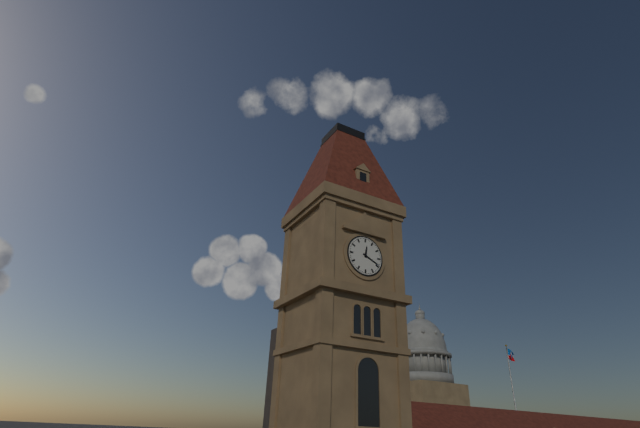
12.19
